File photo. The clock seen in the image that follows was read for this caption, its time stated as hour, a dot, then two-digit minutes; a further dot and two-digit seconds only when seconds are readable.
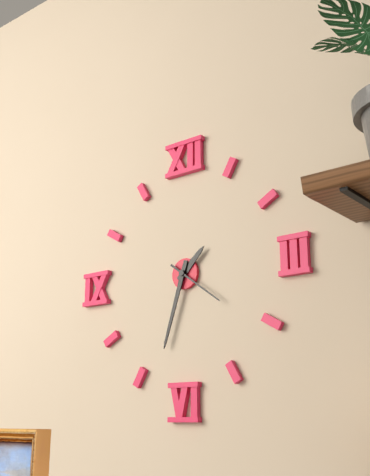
1.33.21
